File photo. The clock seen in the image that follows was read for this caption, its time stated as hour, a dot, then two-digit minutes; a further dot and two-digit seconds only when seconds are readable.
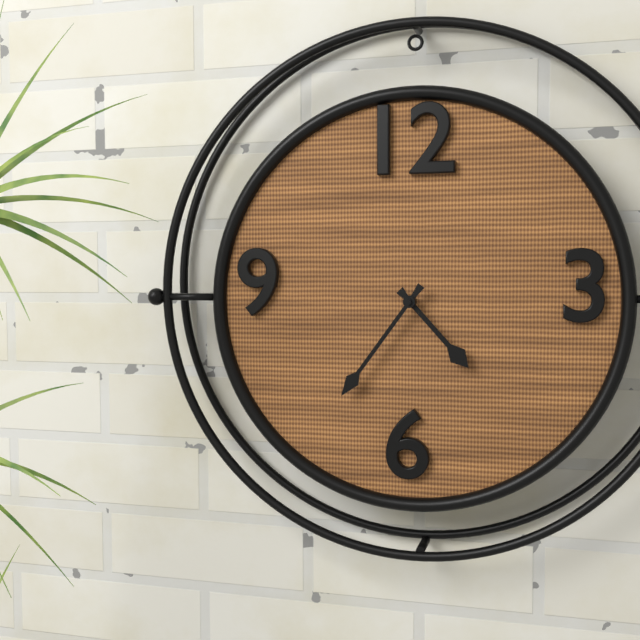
4.36
